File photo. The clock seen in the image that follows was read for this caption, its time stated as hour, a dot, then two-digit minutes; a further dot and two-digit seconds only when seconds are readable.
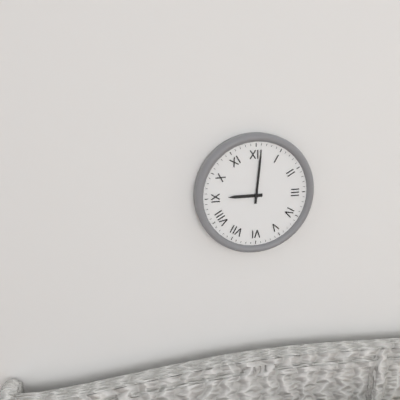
9.01
